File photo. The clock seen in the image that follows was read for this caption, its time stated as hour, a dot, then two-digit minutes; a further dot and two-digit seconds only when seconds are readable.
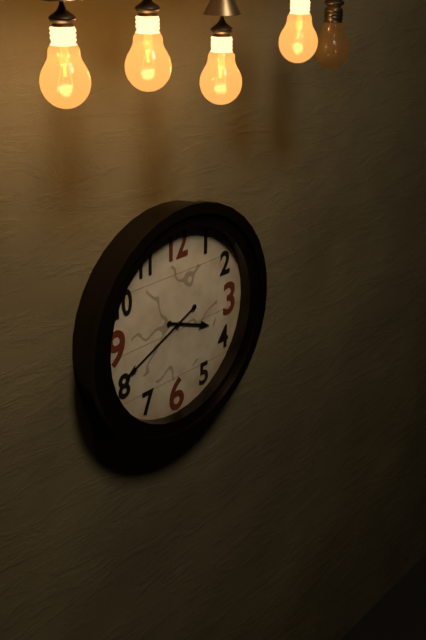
3.41
